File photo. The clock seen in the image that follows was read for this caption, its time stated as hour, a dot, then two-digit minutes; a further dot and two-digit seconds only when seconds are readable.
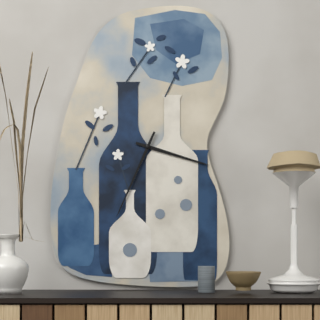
3.34
